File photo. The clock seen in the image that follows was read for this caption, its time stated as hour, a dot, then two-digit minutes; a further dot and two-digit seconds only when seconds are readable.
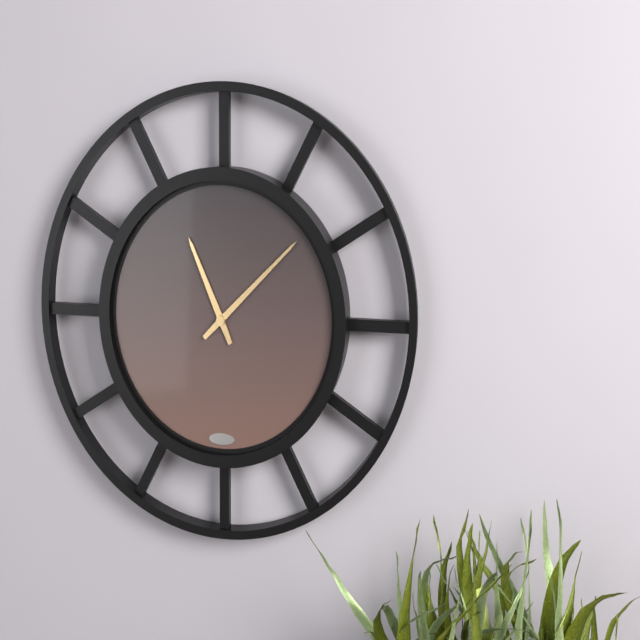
11.08
